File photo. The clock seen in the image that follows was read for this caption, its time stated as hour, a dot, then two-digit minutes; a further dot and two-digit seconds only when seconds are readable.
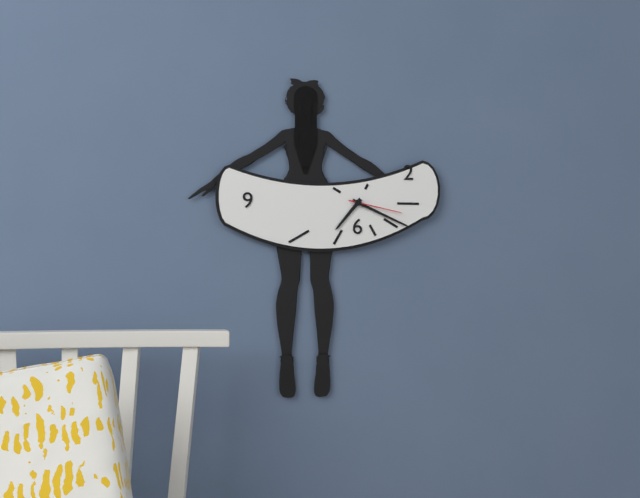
7.19.17
